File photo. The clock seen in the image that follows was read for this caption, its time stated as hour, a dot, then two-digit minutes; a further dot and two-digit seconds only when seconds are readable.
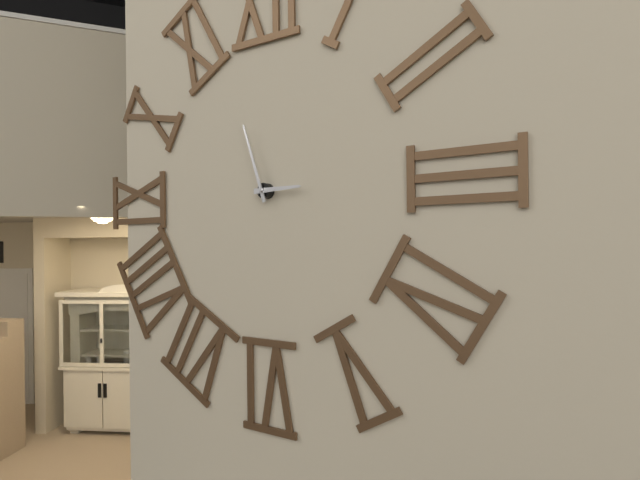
2.57
